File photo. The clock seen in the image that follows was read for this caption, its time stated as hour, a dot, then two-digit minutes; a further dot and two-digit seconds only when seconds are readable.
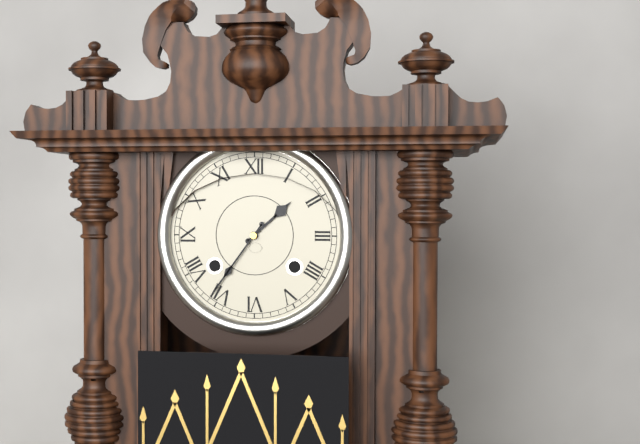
1.36
